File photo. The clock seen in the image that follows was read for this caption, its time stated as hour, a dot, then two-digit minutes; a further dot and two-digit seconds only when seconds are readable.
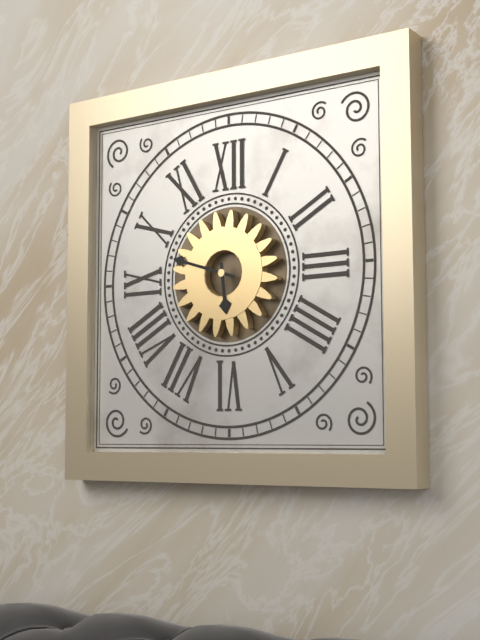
5.48
